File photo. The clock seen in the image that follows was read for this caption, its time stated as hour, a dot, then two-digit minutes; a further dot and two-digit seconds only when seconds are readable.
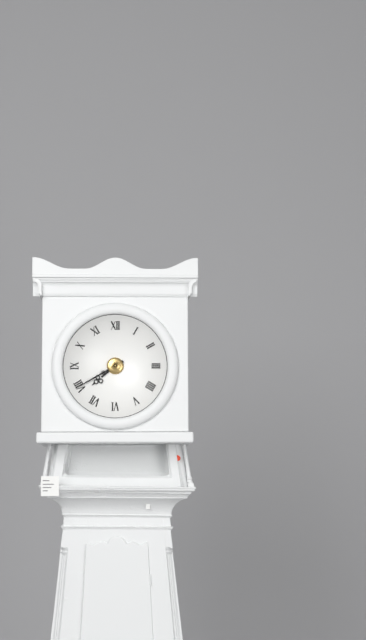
7.40
